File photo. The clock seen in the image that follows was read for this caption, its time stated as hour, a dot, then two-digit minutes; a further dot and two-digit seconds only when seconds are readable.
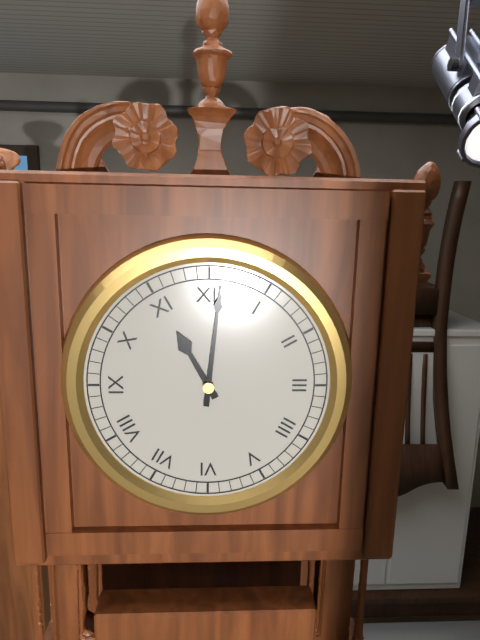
11.01
